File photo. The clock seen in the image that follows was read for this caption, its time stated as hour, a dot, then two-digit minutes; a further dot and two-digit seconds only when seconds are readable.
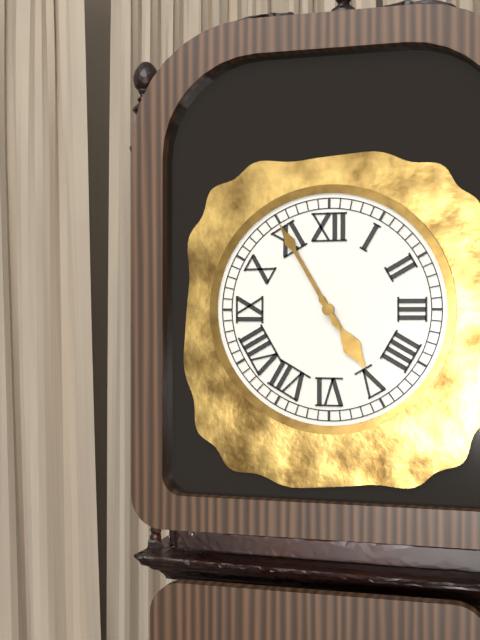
4.55
